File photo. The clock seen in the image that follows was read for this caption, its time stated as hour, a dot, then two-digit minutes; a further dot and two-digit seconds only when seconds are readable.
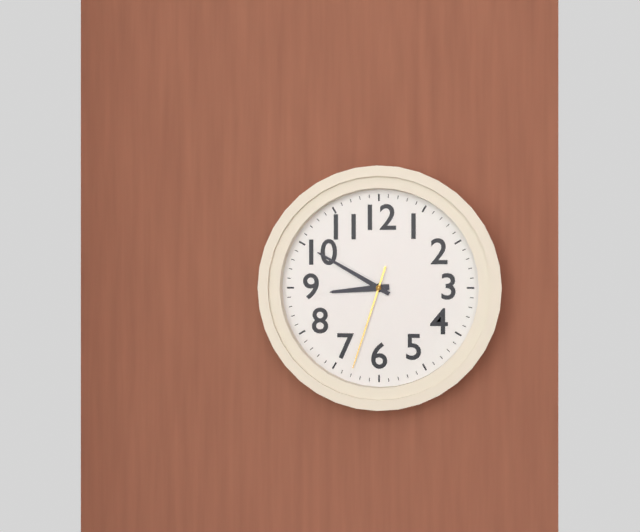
8.50.33
